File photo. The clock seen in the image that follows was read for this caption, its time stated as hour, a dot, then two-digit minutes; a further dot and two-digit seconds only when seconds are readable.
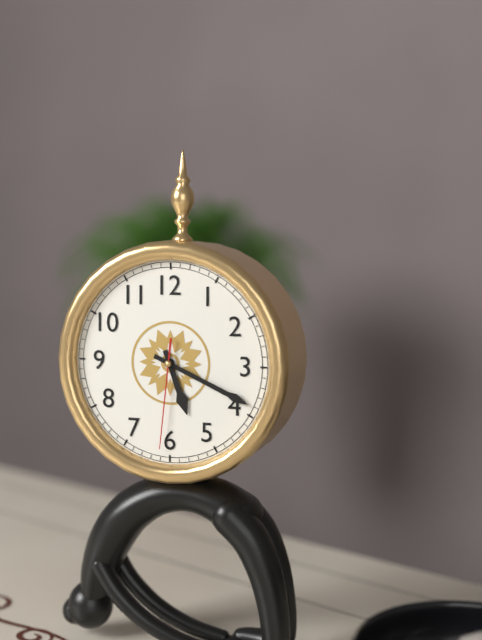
5.19.31
